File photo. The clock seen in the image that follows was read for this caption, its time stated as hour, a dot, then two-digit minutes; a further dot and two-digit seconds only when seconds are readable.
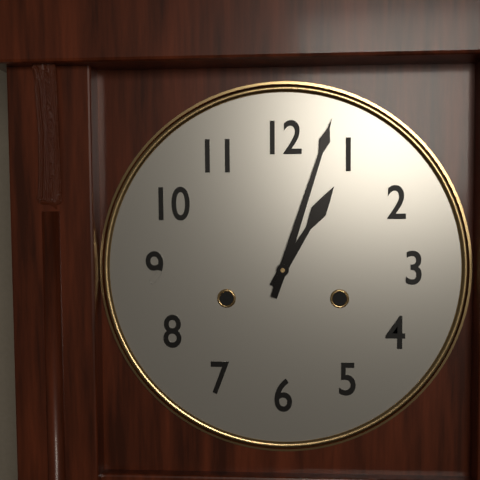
1.03
